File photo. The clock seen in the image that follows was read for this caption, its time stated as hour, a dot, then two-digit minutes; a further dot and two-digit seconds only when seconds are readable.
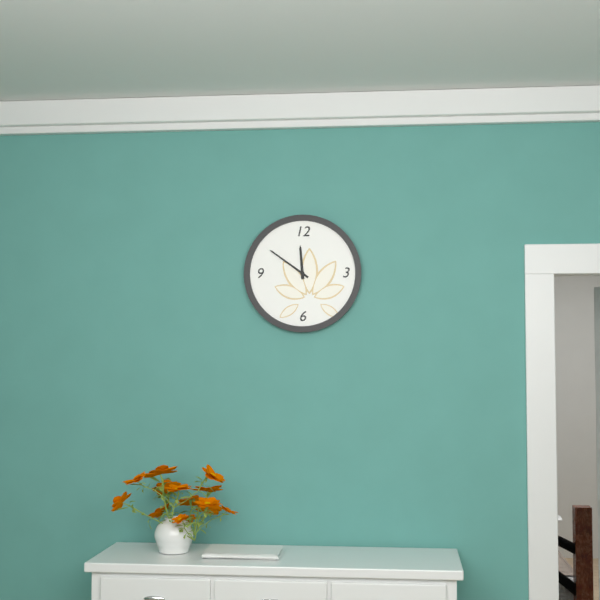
11.51
